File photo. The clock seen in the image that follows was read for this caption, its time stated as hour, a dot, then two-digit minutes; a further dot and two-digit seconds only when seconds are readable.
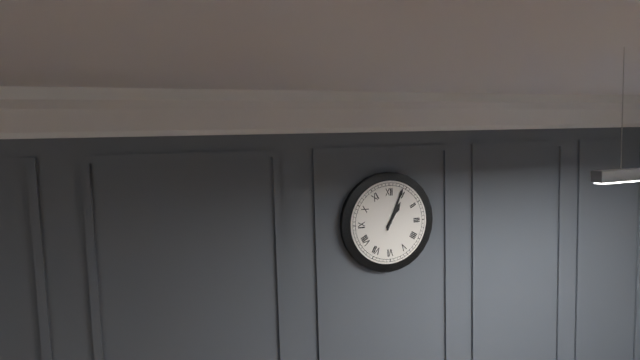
1.04
